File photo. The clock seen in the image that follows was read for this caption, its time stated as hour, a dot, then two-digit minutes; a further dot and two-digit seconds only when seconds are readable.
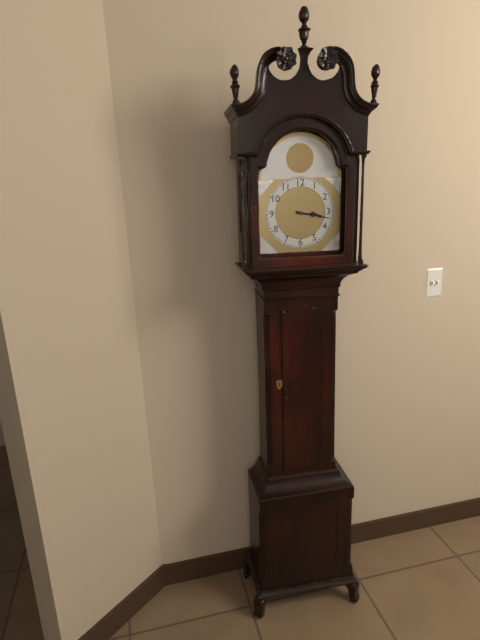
3.17
